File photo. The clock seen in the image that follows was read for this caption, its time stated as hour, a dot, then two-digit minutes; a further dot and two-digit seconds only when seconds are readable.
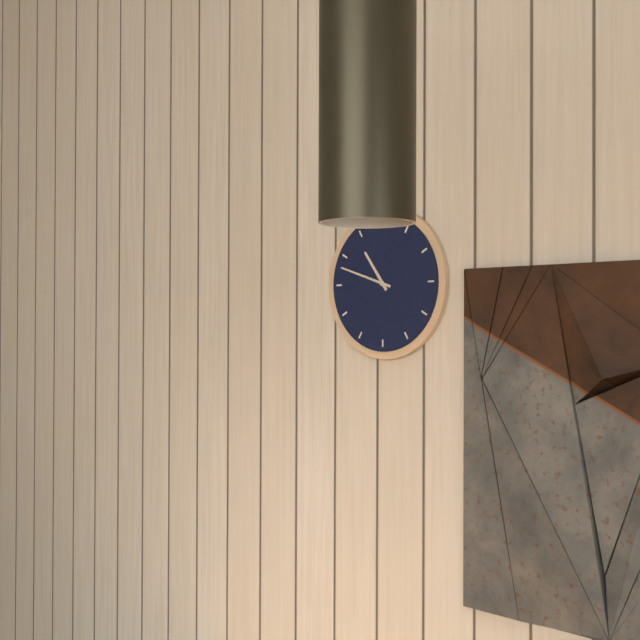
10.48
